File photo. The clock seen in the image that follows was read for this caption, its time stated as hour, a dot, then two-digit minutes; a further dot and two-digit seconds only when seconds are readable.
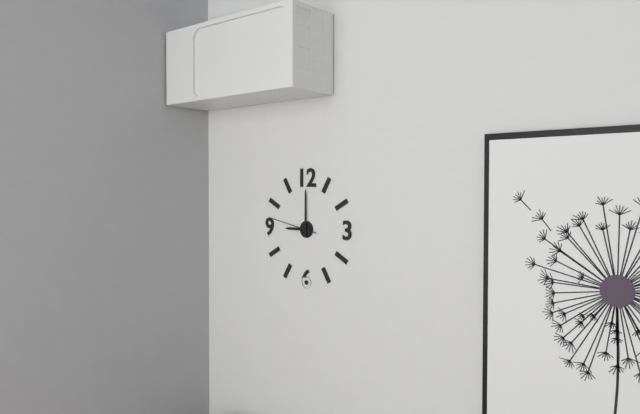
9.00
